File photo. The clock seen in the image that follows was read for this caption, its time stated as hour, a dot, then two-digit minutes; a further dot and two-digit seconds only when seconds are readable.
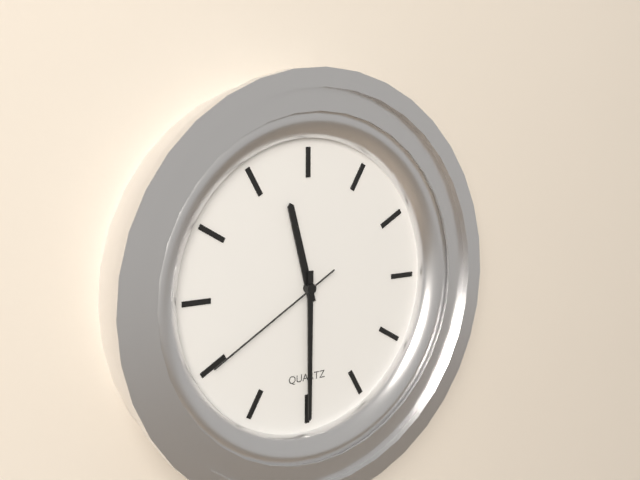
11.30.40
